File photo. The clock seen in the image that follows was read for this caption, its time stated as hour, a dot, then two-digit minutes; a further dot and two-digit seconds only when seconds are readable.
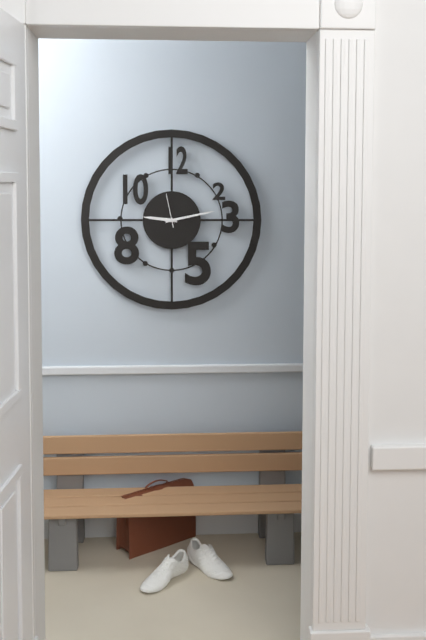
9.13
